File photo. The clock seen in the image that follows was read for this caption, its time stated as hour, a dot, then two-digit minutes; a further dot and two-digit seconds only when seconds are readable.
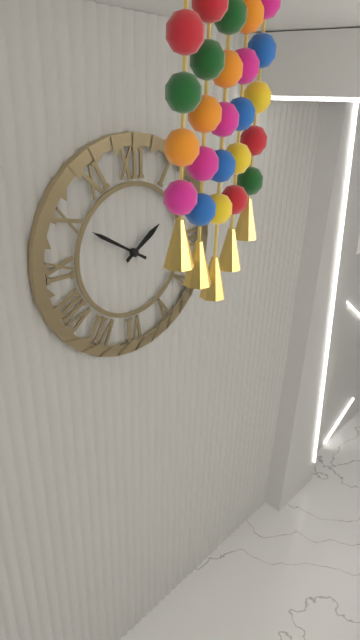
1.50
